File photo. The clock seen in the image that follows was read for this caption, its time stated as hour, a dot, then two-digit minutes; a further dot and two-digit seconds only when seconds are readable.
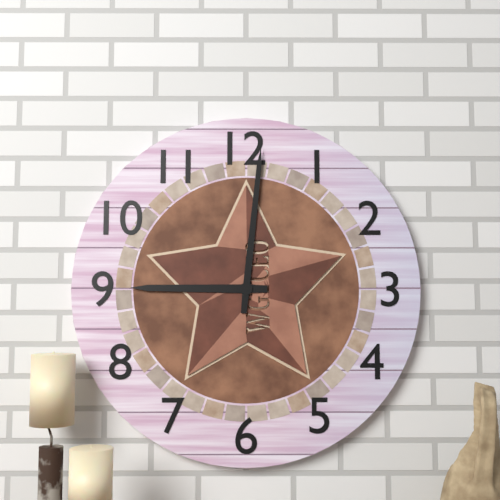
9.01
